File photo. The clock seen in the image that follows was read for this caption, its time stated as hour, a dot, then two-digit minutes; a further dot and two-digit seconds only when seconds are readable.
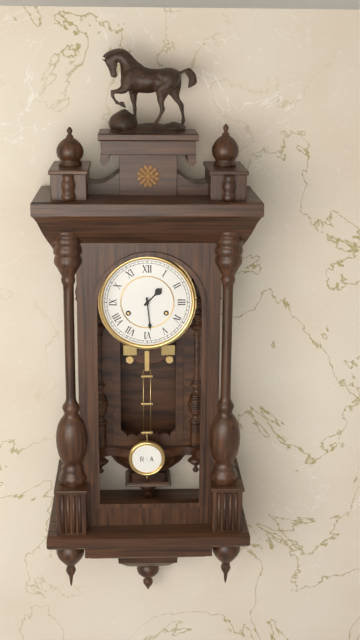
1.29
